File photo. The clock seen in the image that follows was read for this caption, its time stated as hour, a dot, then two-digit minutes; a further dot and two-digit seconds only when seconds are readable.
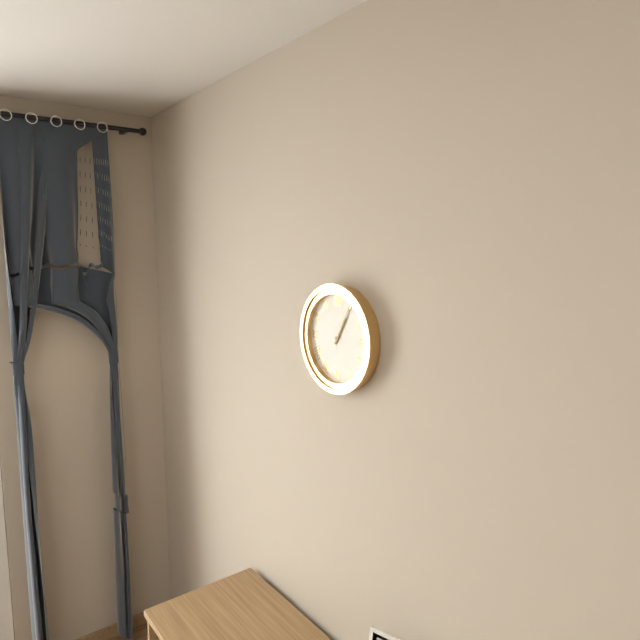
1.05
